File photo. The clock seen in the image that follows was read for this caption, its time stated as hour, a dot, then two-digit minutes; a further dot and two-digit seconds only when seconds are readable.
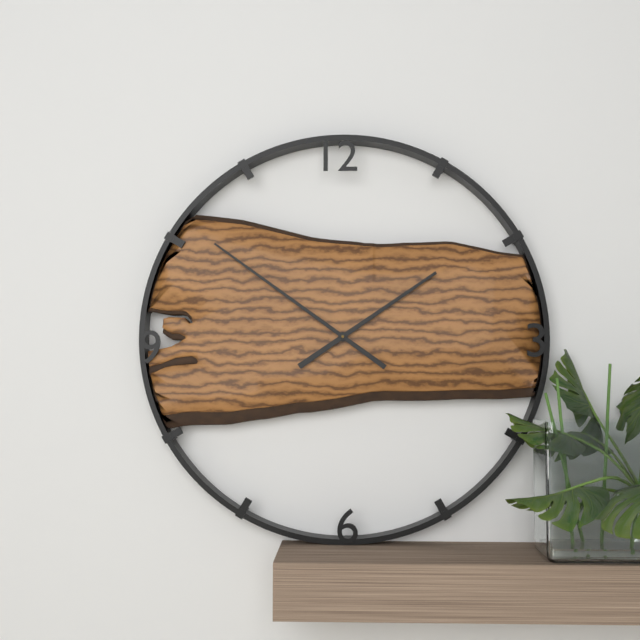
1.51
